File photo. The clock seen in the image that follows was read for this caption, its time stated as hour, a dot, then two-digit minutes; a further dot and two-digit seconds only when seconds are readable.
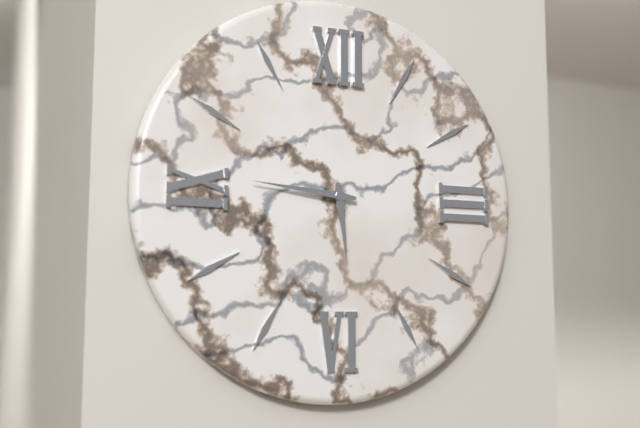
5.46
